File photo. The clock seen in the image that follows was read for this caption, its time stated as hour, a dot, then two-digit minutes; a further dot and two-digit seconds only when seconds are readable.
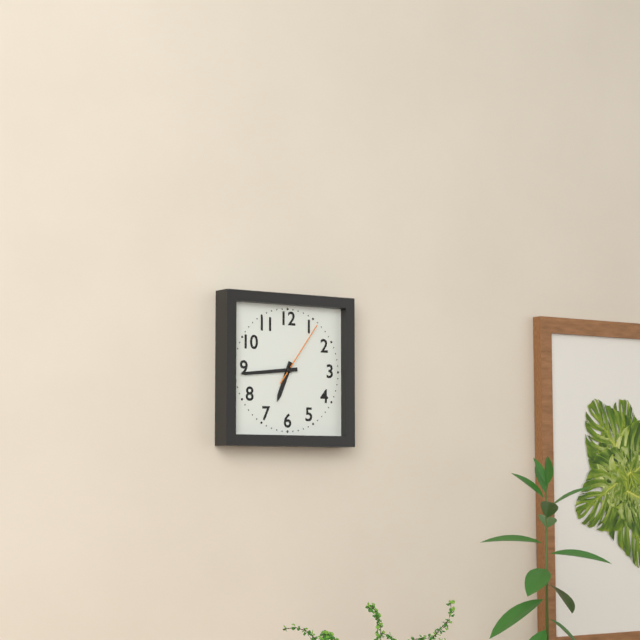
6.44.06
